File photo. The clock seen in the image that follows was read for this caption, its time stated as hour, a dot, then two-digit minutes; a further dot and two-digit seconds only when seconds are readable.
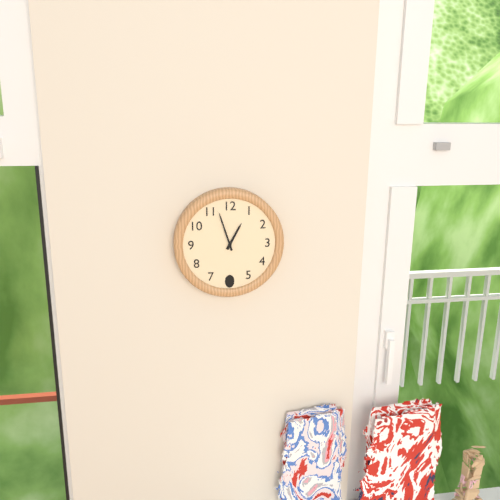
12.57
